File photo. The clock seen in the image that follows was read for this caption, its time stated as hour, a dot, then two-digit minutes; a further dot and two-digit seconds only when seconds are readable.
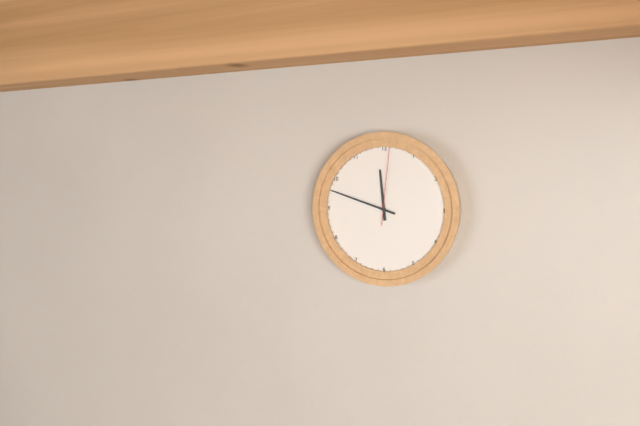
11.48.01
